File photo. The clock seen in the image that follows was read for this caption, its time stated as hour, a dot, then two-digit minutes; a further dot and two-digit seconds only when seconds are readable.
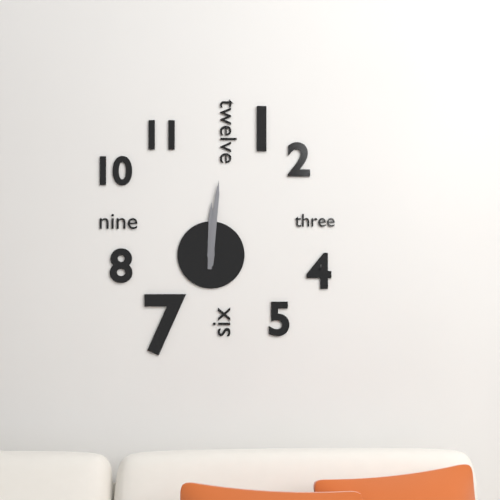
12.01
